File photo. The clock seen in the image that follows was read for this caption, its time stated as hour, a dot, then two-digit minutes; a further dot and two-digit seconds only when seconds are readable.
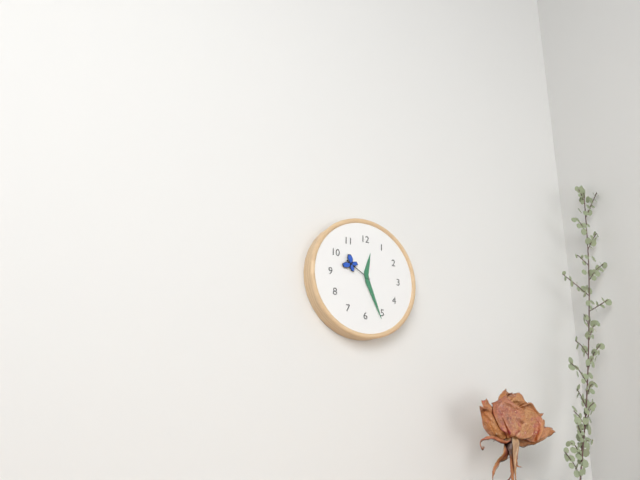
12.26
